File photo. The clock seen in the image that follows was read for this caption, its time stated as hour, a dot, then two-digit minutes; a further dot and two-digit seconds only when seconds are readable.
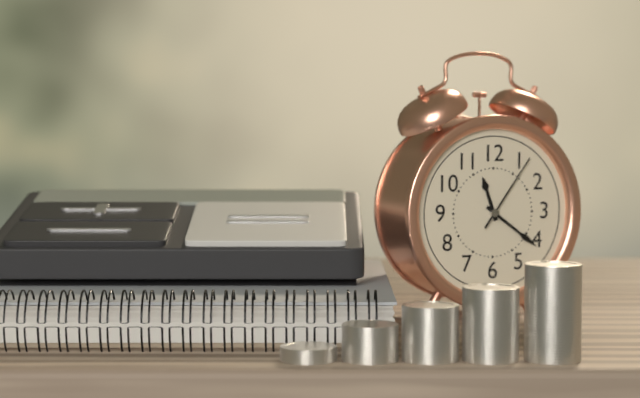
11.21.06
